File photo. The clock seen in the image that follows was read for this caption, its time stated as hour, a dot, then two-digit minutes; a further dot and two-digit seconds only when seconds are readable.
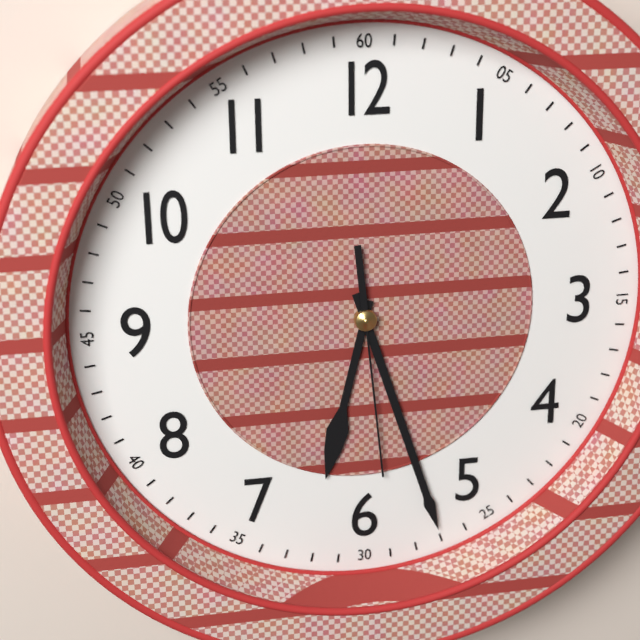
6.27.29
